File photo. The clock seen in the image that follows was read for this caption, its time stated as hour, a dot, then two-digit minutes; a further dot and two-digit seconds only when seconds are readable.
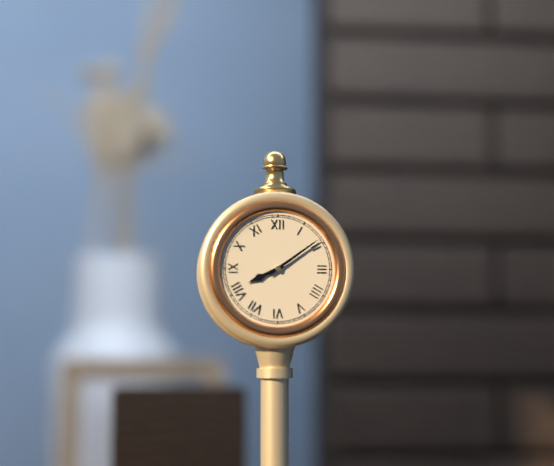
8.09
